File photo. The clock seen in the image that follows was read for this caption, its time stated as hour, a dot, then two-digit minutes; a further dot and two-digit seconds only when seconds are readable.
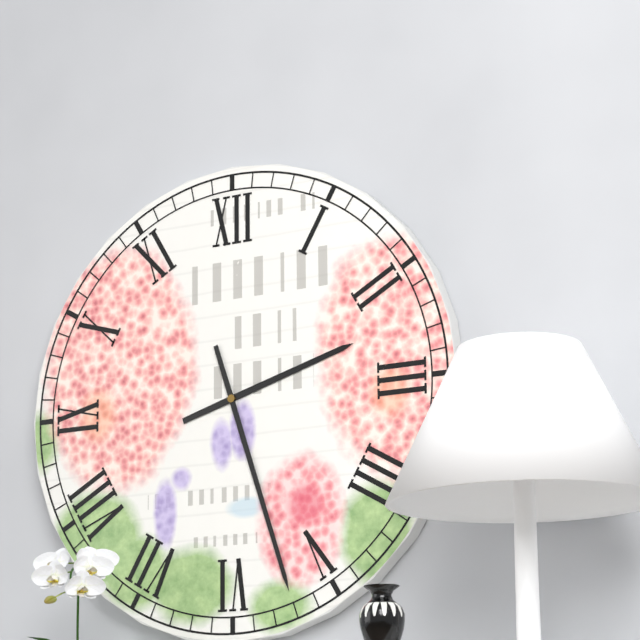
2.27
